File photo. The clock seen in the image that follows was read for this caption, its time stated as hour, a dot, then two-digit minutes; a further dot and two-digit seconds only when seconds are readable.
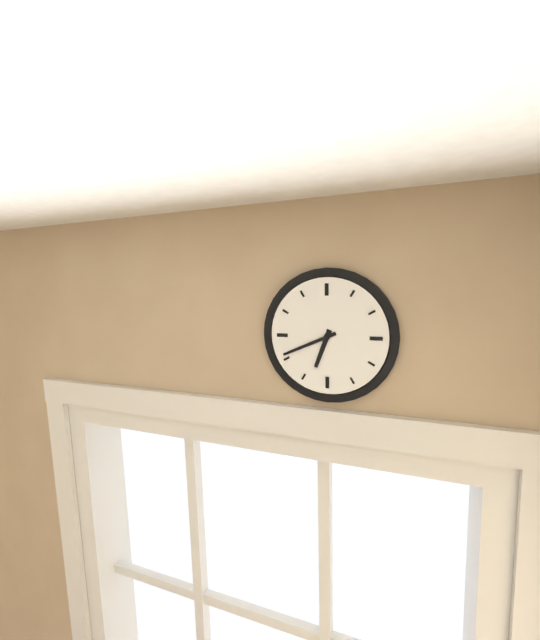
6.41
